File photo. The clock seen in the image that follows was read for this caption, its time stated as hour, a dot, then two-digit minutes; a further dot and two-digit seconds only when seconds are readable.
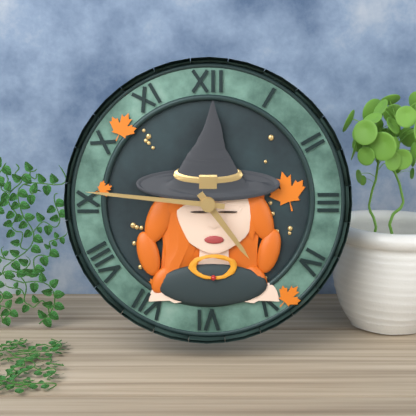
4.46
